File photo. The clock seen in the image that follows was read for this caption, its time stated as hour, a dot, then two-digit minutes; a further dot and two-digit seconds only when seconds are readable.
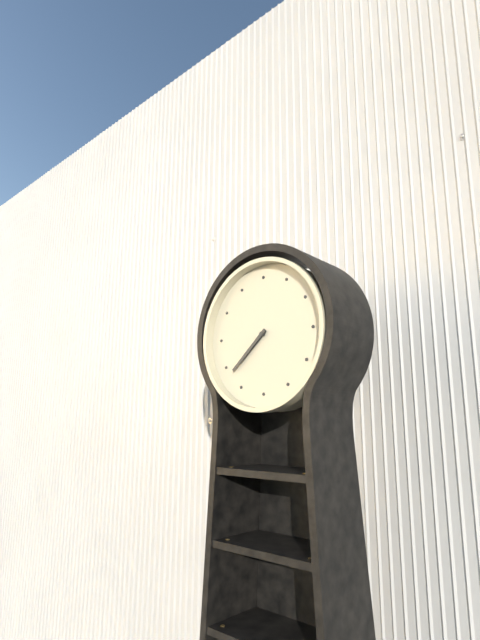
7.38
